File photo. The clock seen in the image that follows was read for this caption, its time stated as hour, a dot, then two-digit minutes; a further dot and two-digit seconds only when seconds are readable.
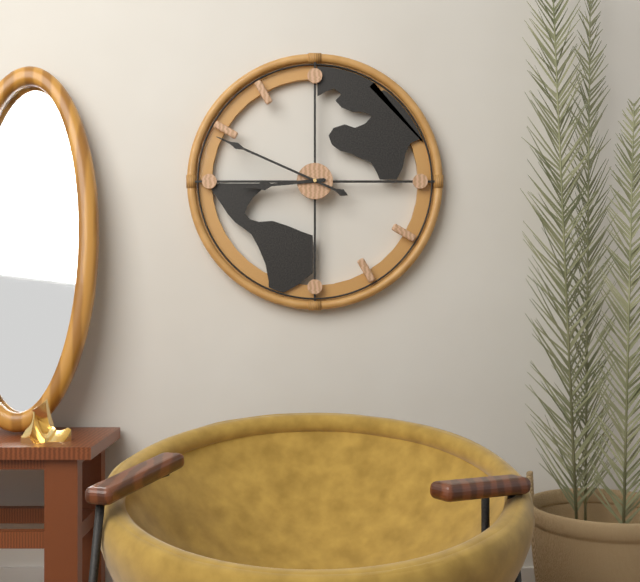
8.49
